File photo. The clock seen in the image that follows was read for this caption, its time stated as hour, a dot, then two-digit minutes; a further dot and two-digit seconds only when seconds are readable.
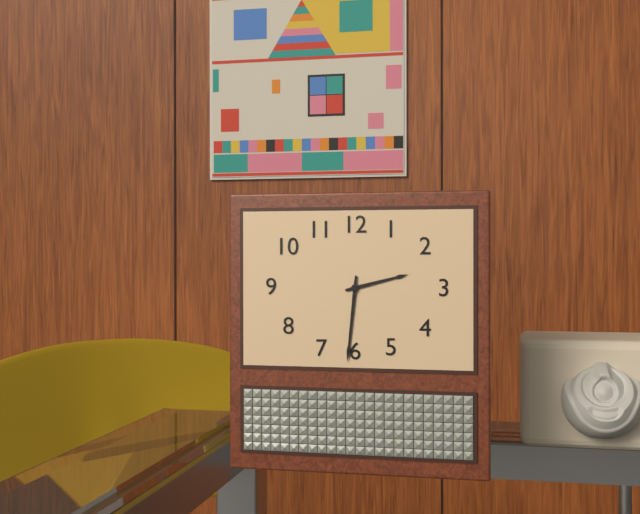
2.31
